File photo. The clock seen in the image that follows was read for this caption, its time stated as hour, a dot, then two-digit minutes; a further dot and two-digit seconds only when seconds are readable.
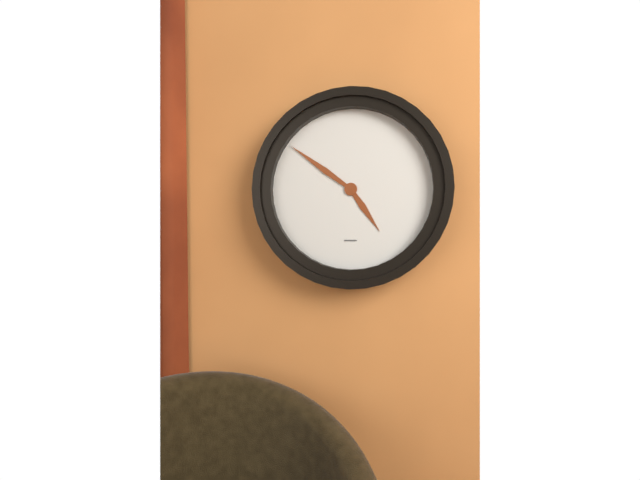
4.51
